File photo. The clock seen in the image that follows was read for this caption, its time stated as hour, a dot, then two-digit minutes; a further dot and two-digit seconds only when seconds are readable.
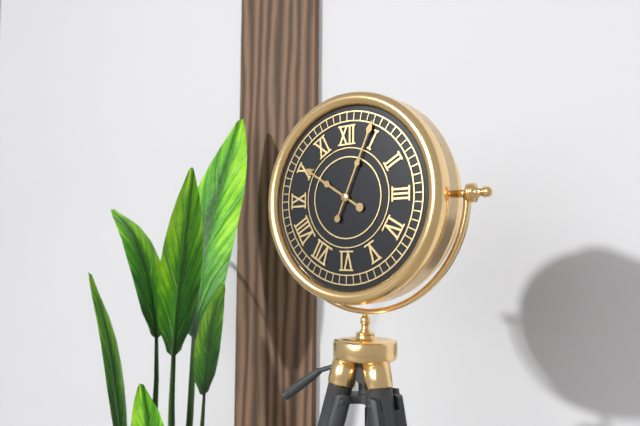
10.04
